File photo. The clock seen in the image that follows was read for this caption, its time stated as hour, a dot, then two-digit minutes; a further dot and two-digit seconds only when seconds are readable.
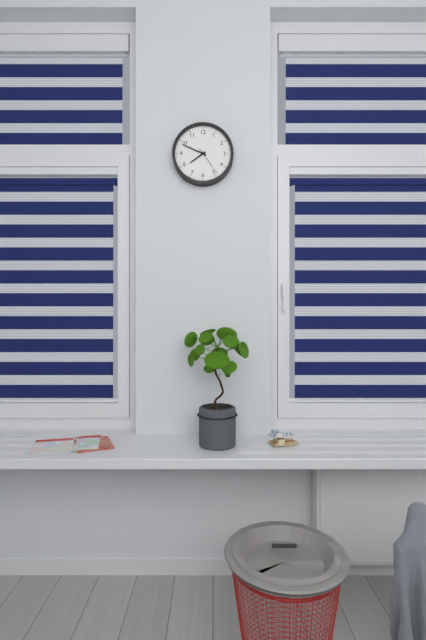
7.49
